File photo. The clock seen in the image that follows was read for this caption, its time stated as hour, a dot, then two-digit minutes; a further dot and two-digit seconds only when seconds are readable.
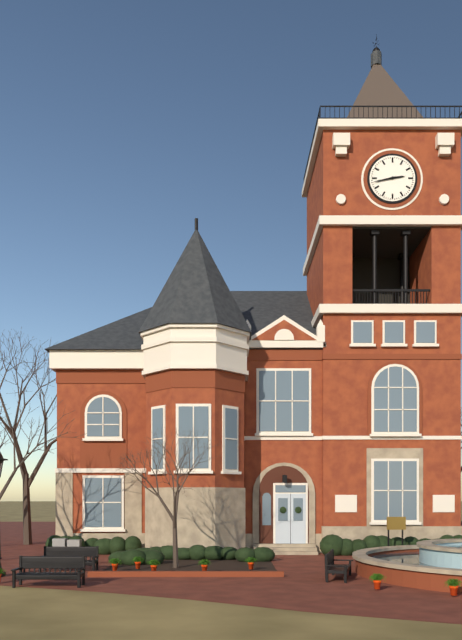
2.43
